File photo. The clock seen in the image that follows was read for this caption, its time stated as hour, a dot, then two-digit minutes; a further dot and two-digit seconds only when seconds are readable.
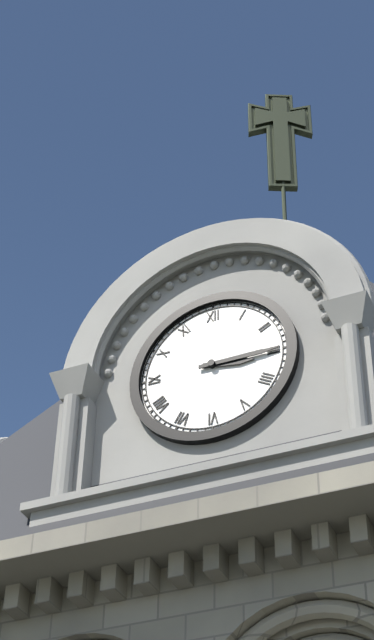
3.15
